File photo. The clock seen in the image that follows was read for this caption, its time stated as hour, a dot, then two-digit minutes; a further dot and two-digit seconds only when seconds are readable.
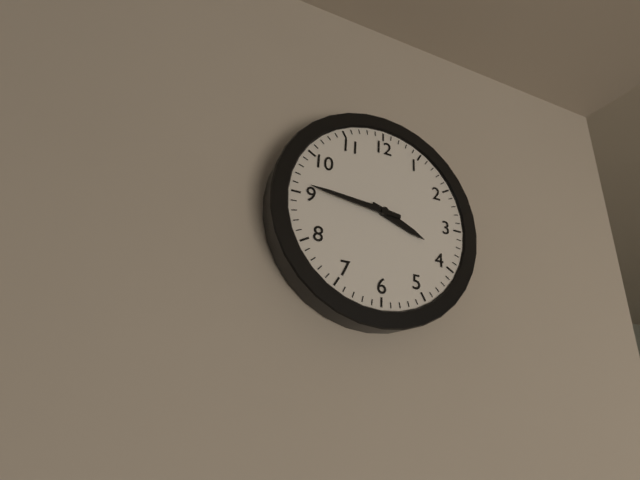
3.46
